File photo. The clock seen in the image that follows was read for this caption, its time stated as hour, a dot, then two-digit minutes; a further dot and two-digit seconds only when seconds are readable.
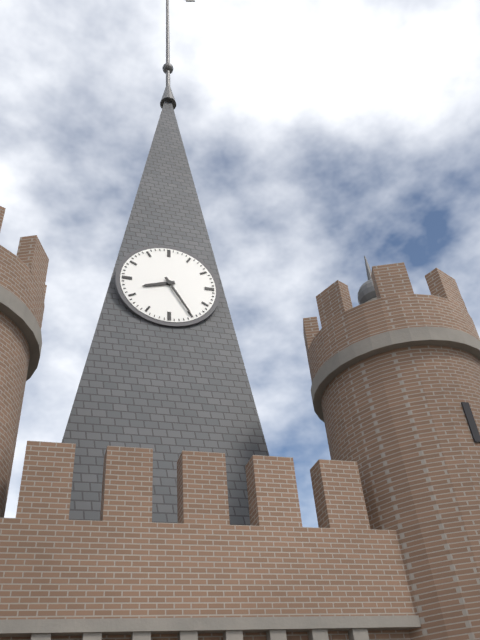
8.25
